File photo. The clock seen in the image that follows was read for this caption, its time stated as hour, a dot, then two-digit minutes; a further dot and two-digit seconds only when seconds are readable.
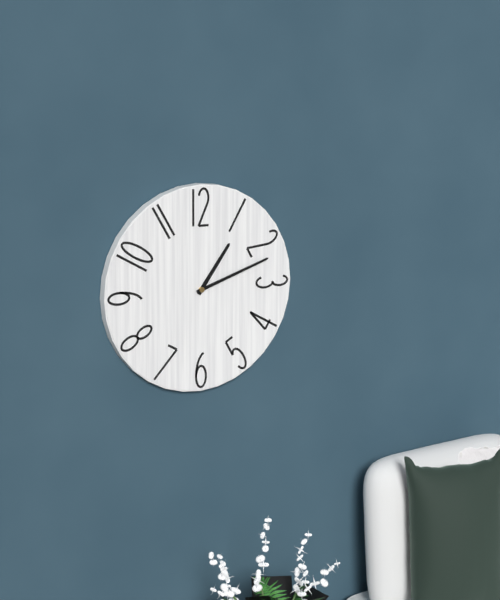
1.12
